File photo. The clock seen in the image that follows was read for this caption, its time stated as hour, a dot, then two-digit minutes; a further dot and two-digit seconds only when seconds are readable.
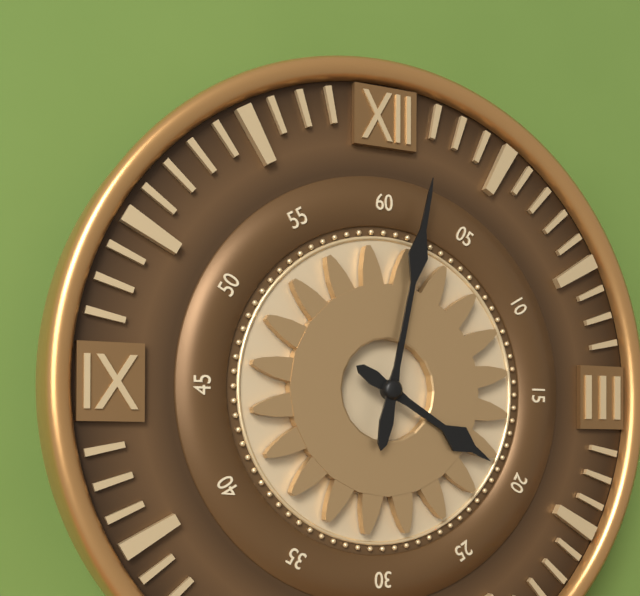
4.02
